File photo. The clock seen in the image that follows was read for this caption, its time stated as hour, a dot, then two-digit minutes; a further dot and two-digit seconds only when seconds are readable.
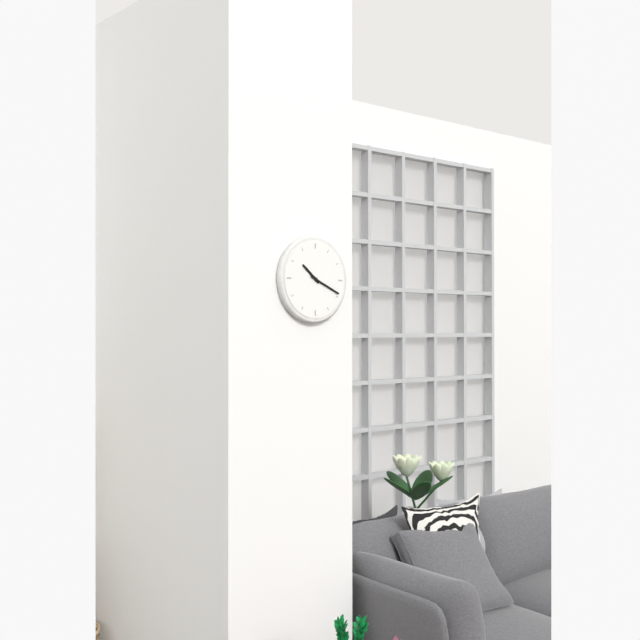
10.19
